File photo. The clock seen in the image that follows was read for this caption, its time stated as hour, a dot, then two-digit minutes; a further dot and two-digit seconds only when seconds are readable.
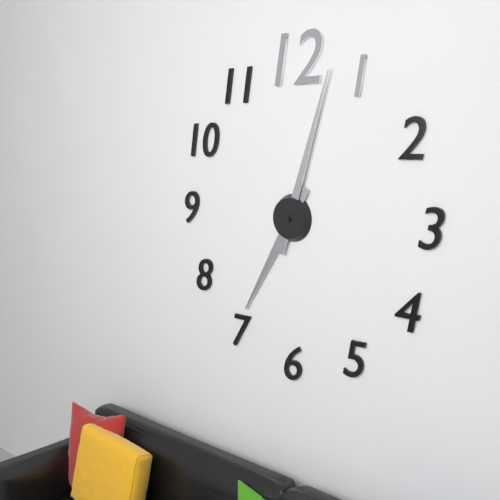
7.03
